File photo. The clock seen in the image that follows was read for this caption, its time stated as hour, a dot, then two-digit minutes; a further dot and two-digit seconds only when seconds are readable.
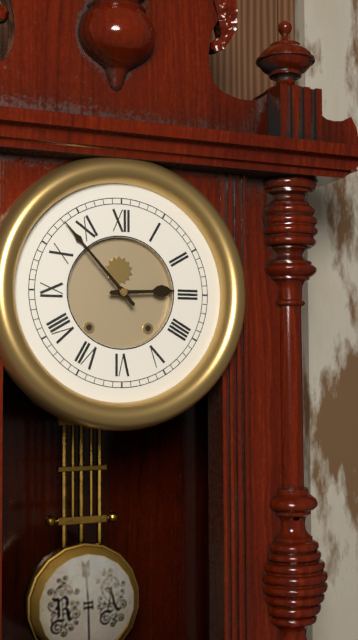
2.53
